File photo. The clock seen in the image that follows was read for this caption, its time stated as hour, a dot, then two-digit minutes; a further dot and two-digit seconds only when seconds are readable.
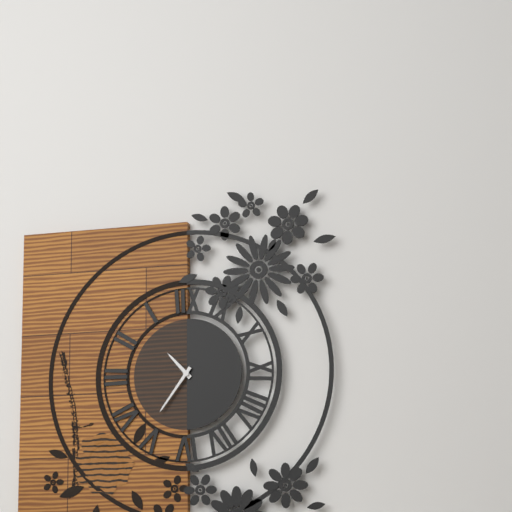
10.36
